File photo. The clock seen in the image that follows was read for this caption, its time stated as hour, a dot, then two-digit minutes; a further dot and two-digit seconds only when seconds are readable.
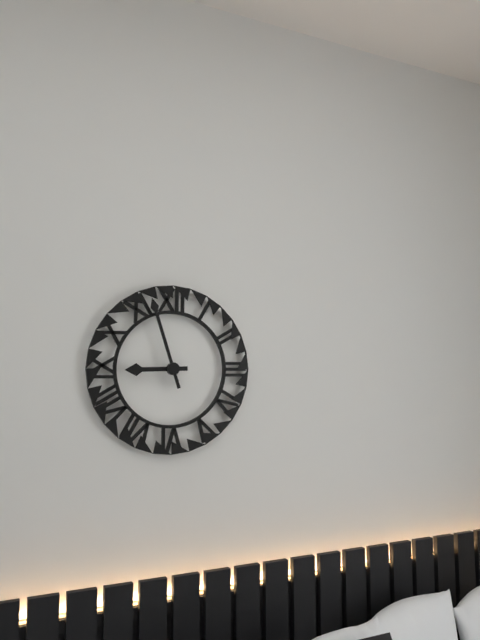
8.57
